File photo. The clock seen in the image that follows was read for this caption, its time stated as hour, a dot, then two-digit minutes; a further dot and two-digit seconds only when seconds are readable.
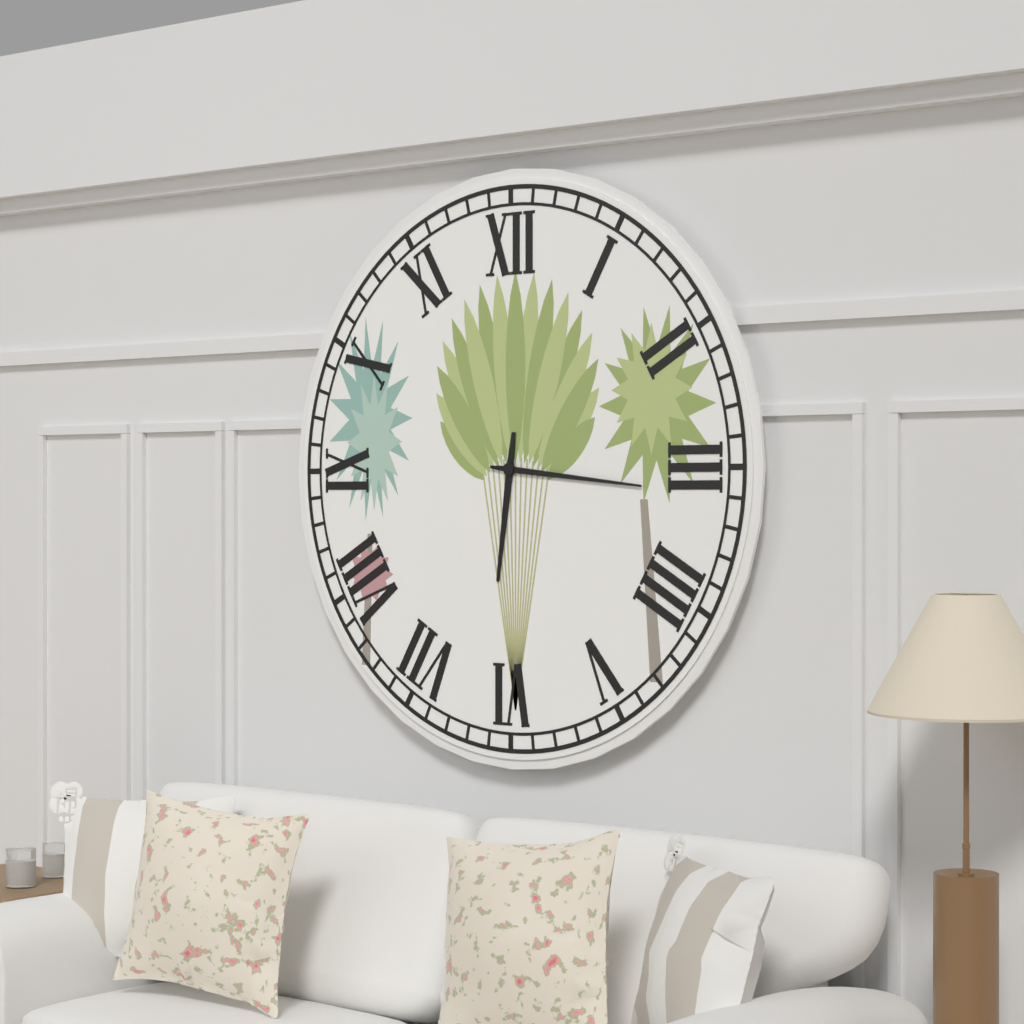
6.16
